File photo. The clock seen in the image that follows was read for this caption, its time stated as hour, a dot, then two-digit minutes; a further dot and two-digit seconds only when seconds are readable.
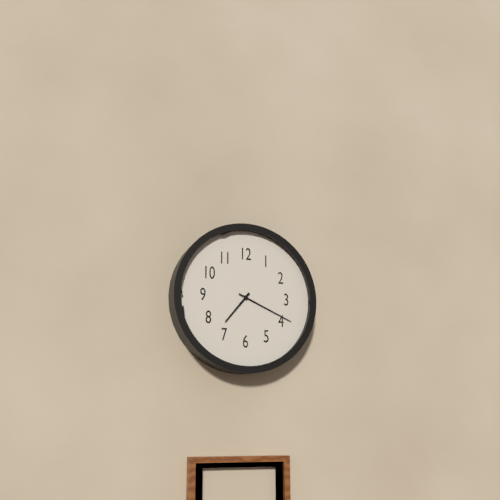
7.19
